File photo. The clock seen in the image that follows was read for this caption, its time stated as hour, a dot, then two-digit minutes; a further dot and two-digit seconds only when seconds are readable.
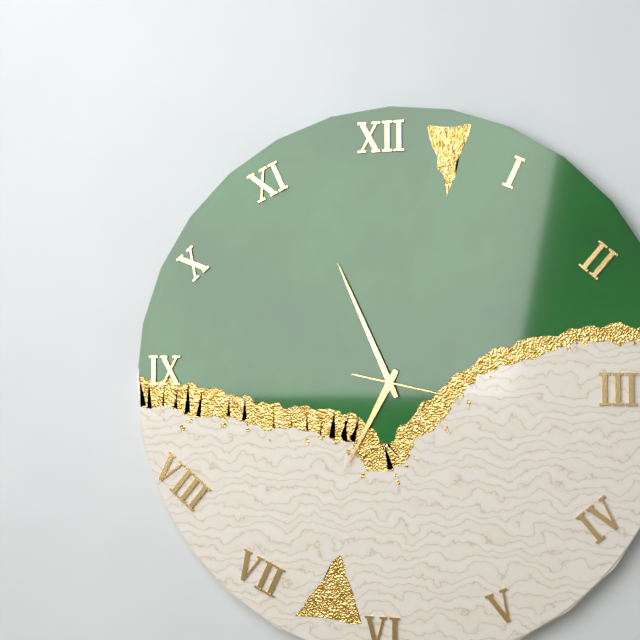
6.56.17
